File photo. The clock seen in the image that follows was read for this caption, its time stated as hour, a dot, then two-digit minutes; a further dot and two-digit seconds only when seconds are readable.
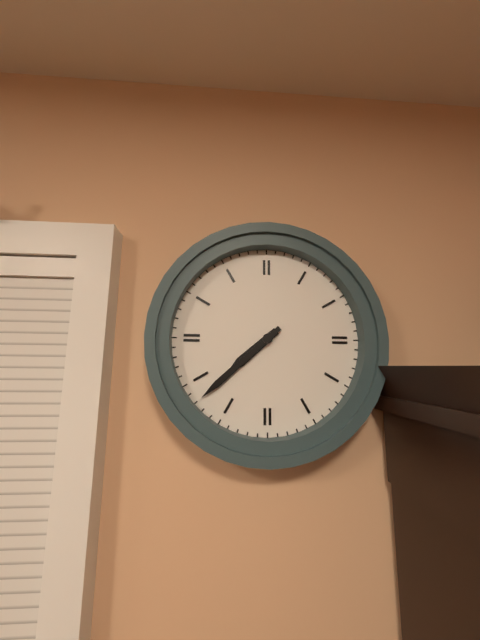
7.38
